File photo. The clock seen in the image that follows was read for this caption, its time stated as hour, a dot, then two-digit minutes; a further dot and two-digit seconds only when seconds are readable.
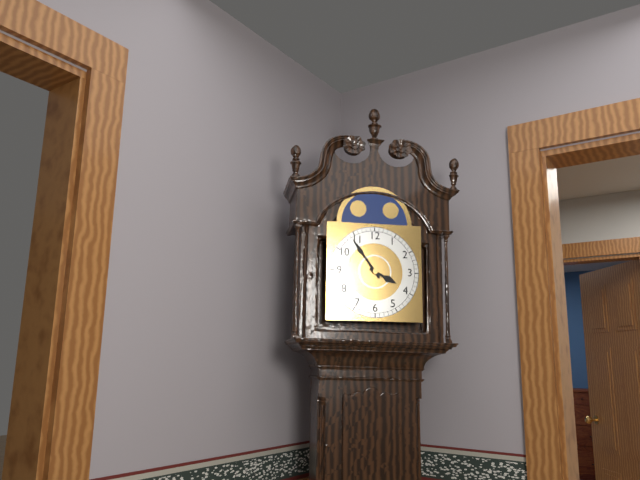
3.54
